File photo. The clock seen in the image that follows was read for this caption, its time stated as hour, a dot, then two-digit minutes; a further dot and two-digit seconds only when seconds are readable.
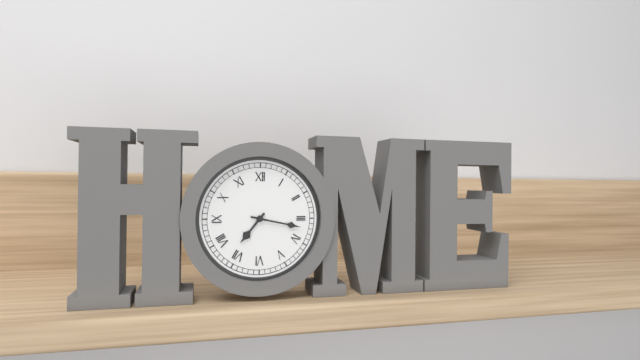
7.17
